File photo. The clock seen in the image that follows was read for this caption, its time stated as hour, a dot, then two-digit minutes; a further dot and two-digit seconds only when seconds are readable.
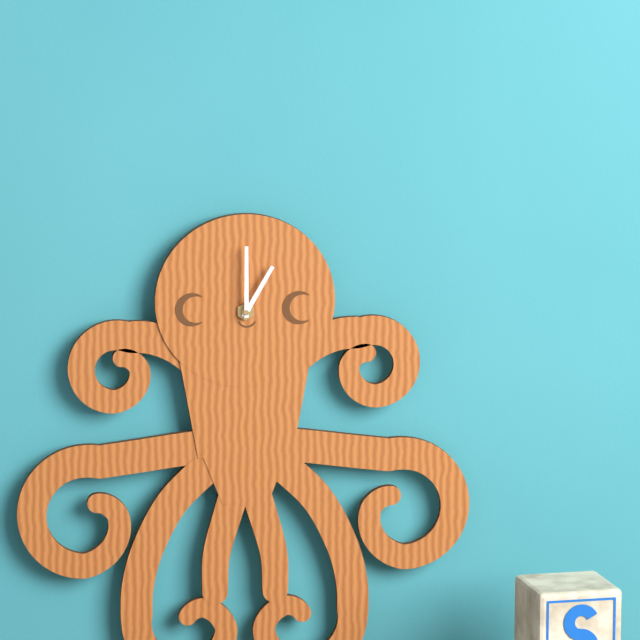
1.00
